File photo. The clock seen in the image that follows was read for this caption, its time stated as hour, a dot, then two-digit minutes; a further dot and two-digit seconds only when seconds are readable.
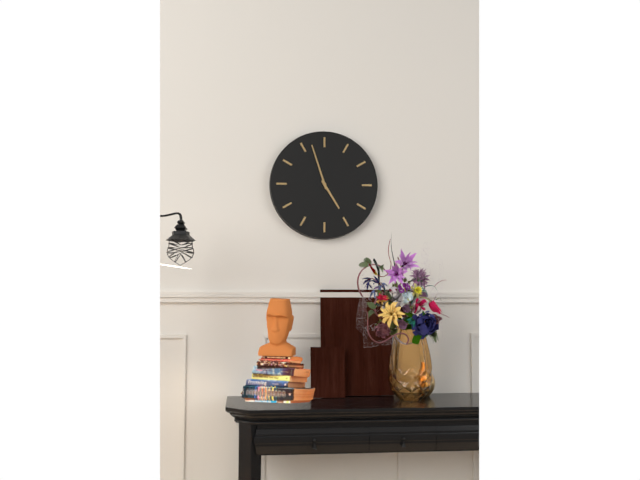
4.57
